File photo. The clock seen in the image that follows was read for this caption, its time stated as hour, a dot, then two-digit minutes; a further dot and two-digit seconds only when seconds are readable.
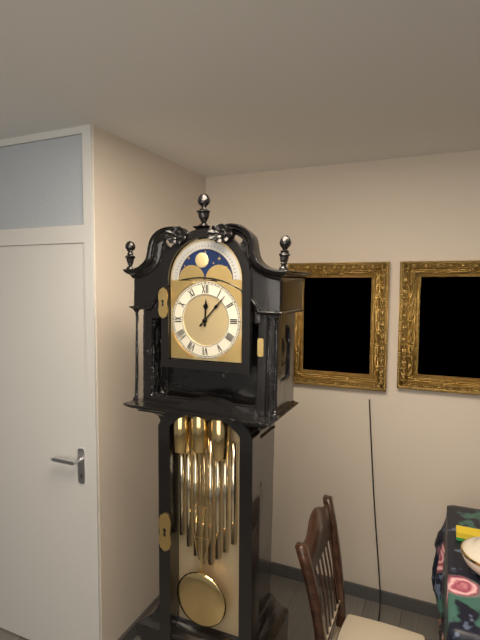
12.07
